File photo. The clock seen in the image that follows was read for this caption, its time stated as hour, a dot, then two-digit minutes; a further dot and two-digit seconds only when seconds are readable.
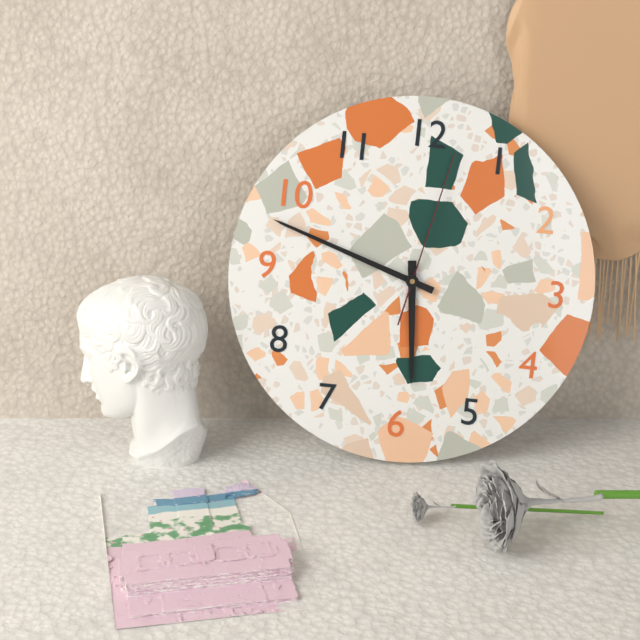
5.48.02
